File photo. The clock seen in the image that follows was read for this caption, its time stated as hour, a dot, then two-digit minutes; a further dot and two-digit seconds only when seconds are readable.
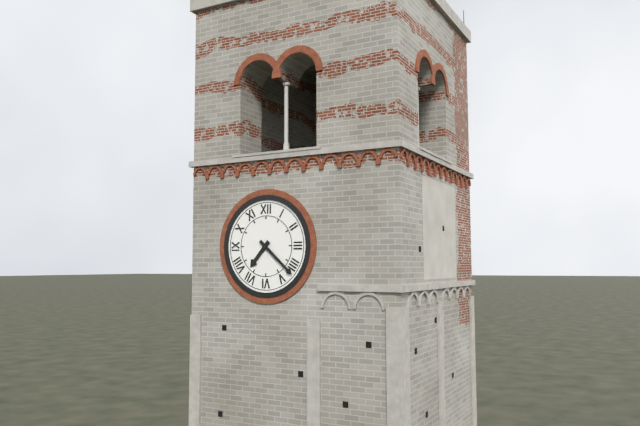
7.22
